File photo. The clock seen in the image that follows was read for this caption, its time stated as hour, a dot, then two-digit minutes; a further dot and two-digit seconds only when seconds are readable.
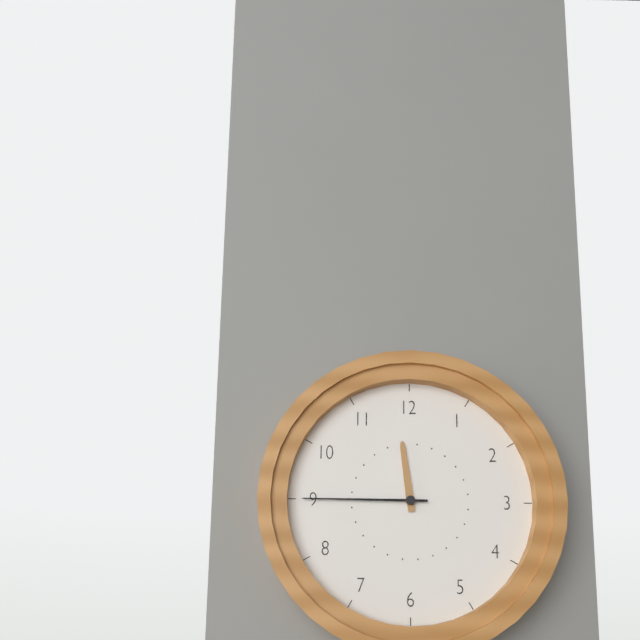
11.45
